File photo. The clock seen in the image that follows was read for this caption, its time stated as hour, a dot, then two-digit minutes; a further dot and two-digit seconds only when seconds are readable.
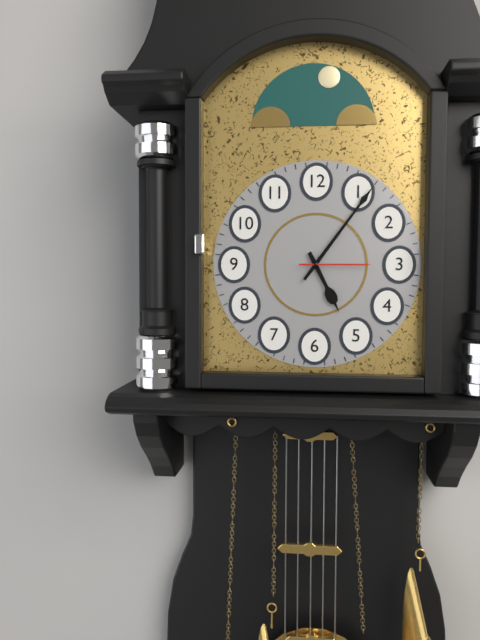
5.06.15
